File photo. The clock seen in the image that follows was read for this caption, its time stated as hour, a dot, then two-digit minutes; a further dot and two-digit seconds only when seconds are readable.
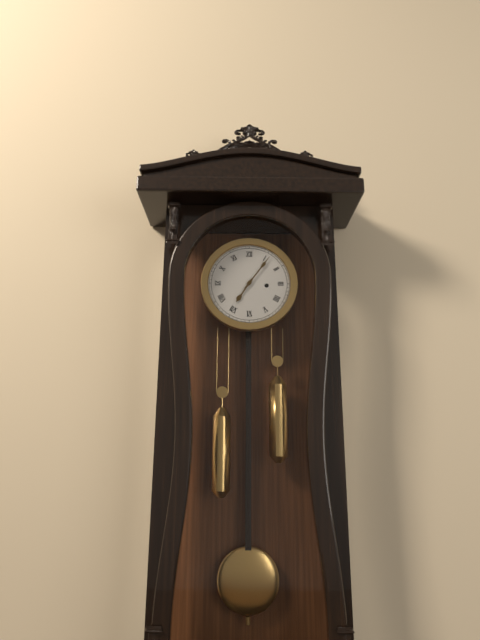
7.06
